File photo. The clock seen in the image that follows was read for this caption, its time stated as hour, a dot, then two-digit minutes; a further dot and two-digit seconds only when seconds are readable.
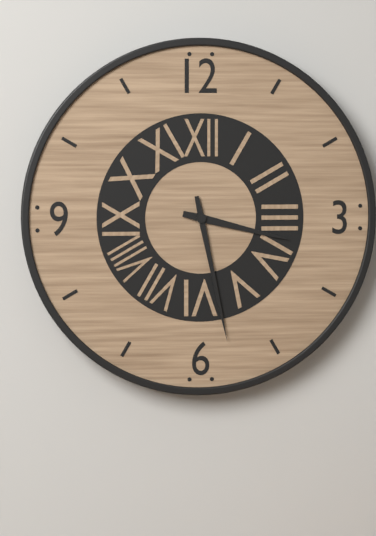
3.28
